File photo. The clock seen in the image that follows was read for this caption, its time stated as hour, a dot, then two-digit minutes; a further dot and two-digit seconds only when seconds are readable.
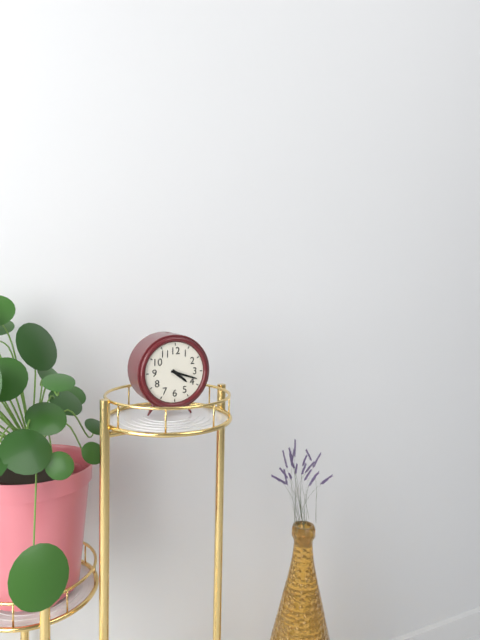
4.18
